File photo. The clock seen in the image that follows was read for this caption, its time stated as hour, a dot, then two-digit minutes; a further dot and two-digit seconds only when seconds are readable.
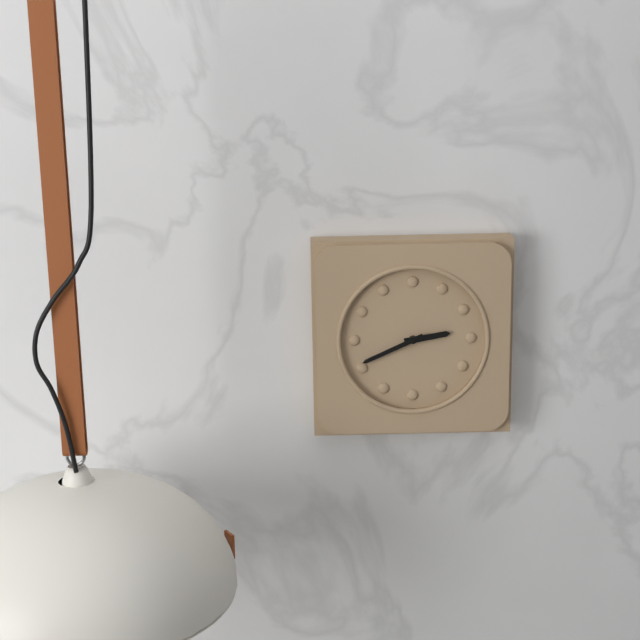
2.41
